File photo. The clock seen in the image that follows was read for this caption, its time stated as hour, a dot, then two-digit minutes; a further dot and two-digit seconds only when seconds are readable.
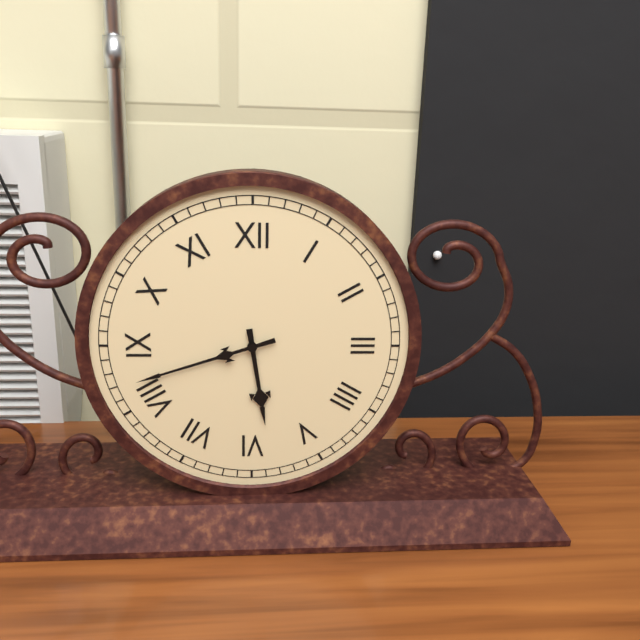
5.42
